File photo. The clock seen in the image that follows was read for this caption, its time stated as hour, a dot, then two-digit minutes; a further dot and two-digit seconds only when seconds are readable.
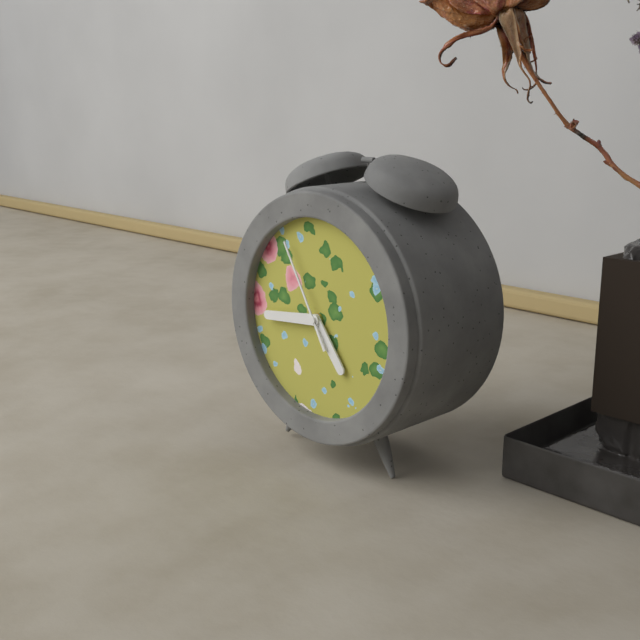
4.44.55
